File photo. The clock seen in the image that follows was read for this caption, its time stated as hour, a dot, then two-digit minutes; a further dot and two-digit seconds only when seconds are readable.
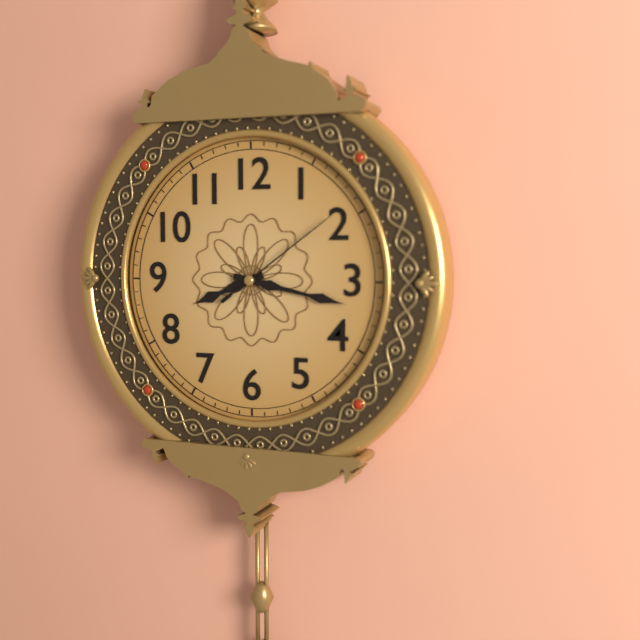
8.17.09
